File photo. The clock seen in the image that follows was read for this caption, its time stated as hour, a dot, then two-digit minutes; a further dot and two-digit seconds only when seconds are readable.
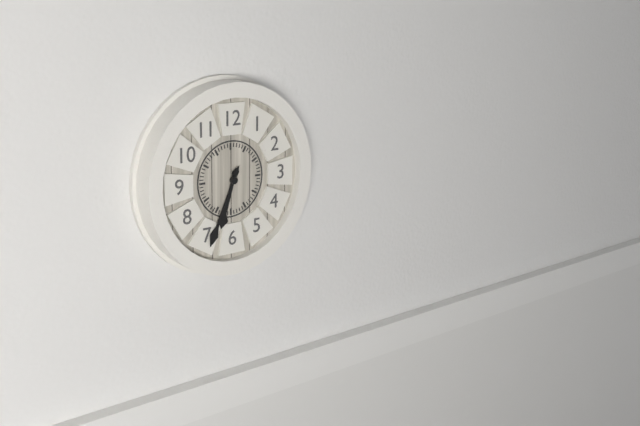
6.34
